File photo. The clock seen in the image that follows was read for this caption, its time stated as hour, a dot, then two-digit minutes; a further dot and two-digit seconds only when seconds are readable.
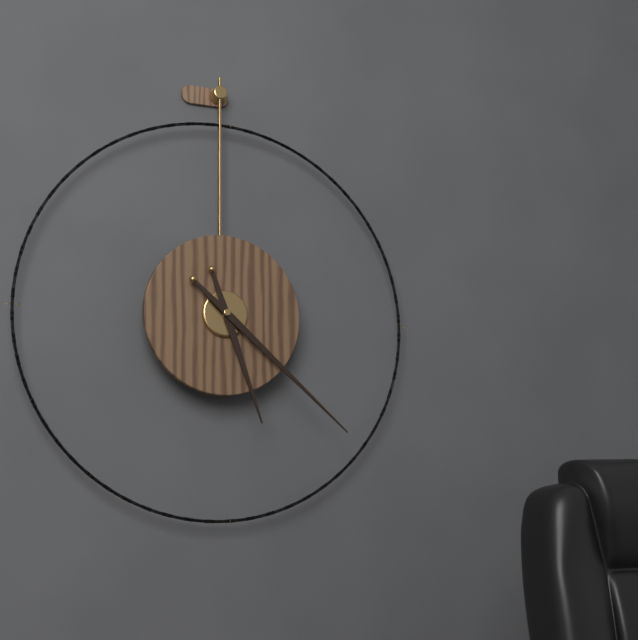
5.22
